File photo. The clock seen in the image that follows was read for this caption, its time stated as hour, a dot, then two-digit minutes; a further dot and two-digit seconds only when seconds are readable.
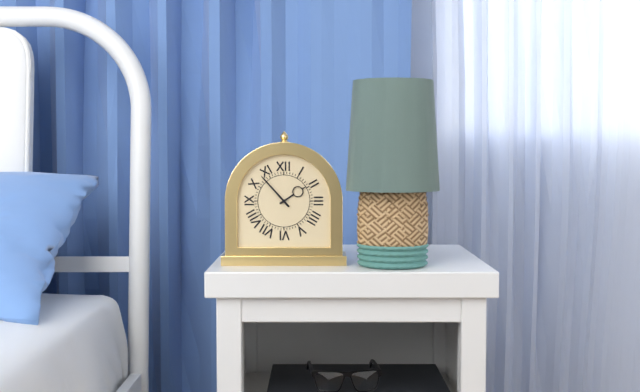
1.53
